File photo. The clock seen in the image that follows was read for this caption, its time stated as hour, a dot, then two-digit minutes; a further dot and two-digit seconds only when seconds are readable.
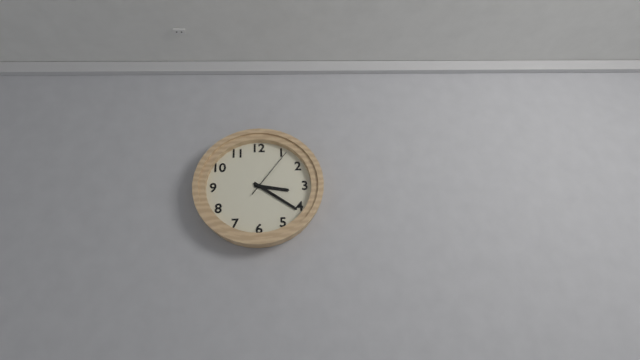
3.21.06
